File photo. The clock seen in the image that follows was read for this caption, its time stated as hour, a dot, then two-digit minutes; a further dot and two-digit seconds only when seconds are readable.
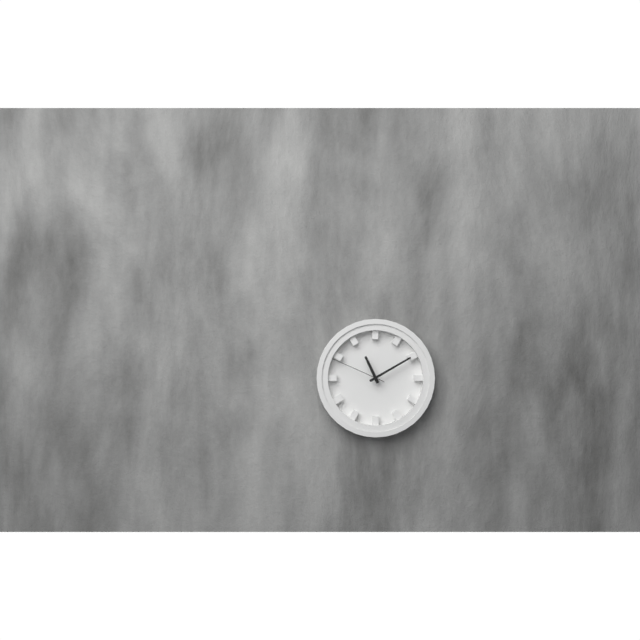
11.10.49
